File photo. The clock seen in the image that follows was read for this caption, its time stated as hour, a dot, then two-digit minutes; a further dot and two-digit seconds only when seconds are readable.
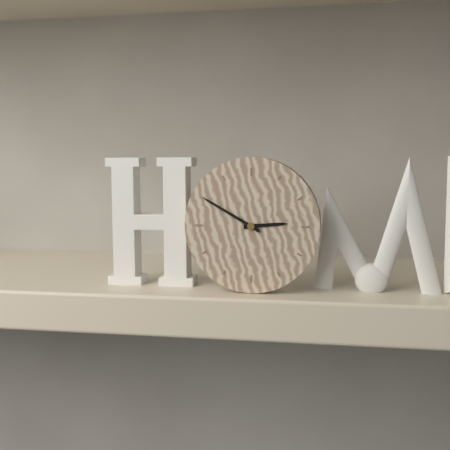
2.50
